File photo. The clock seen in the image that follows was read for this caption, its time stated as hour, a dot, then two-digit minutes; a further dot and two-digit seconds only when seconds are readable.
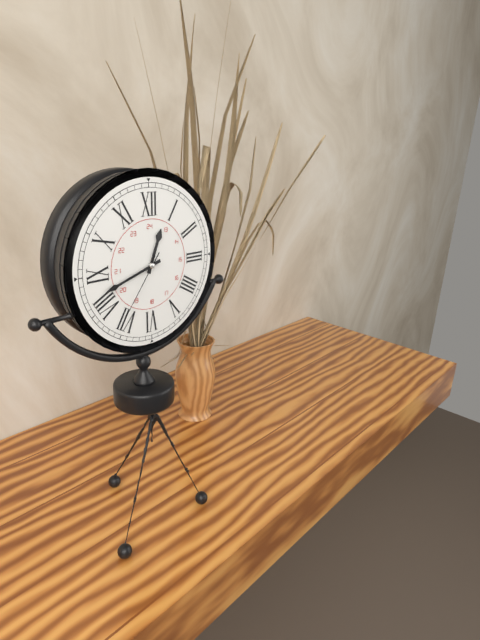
12.42.36
